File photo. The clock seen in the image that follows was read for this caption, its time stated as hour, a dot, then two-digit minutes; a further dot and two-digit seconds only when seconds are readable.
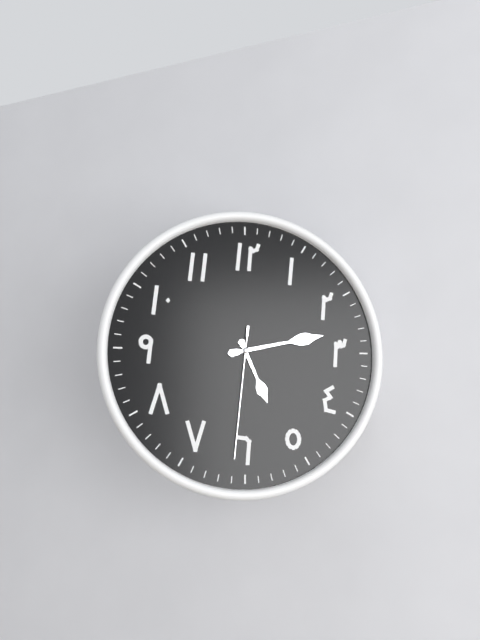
5.13.31
